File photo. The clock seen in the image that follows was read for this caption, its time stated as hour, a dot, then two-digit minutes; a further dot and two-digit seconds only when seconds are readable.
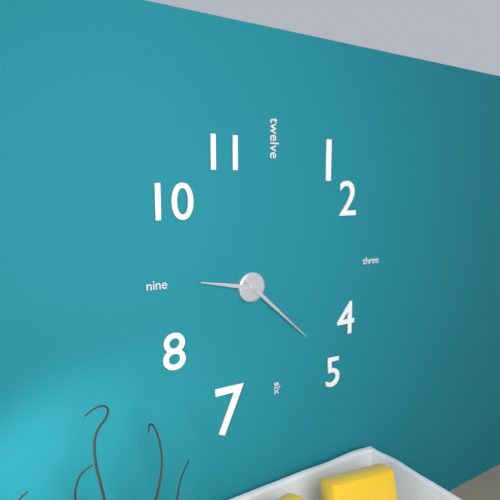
9.22
